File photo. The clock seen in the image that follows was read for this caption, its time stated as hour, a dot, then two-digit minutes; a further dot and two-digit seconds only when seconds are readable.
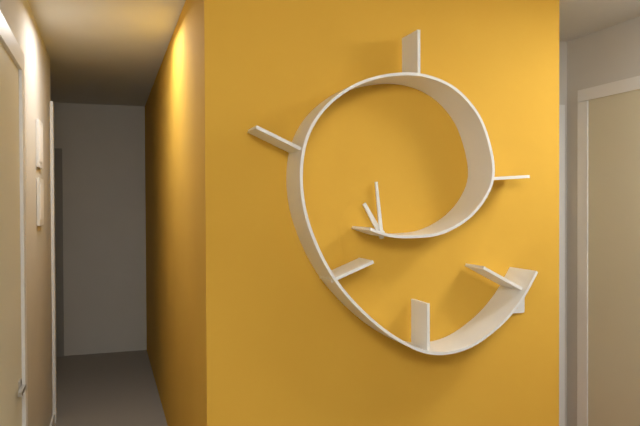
10.59
